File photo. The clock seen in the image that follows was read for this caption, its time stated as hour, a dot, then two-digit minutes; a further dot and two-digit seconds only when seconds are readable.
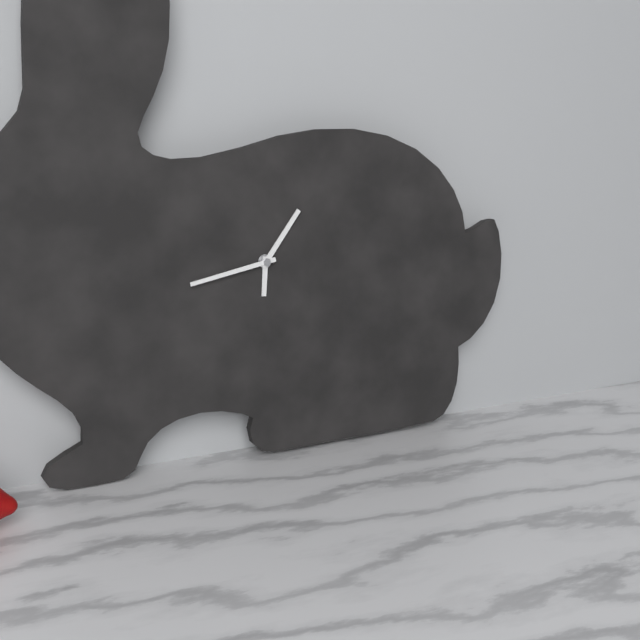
6.06.43
